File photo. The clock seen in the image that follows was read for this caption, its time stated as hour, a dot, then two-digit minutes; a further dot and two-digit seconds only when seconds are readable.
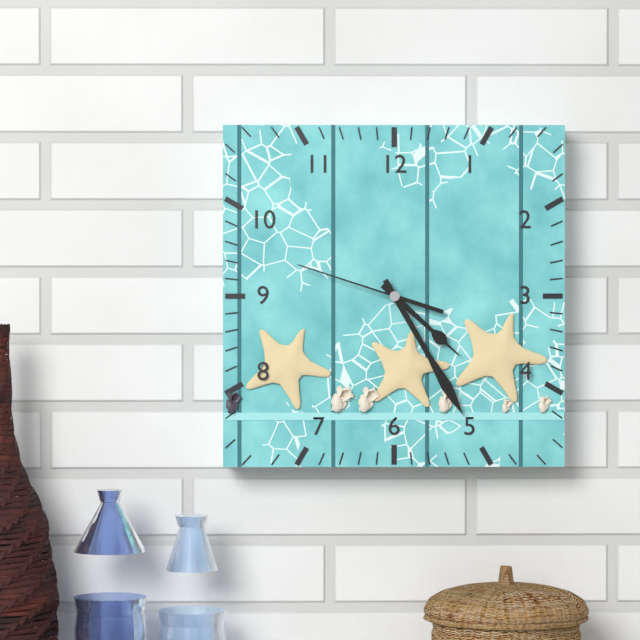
4.25.48
